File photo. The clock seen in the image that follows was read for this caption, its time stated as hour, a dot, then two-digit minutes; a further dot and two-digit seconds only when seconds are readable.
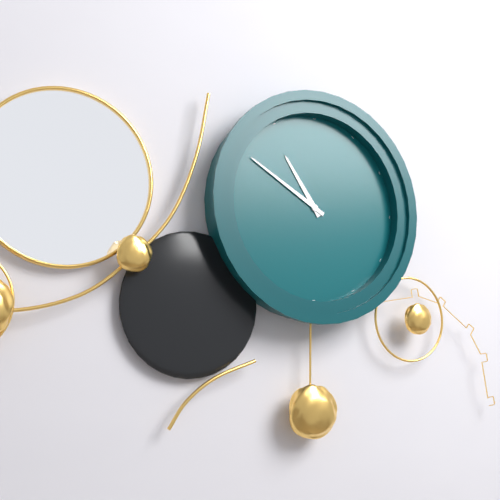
10.50
